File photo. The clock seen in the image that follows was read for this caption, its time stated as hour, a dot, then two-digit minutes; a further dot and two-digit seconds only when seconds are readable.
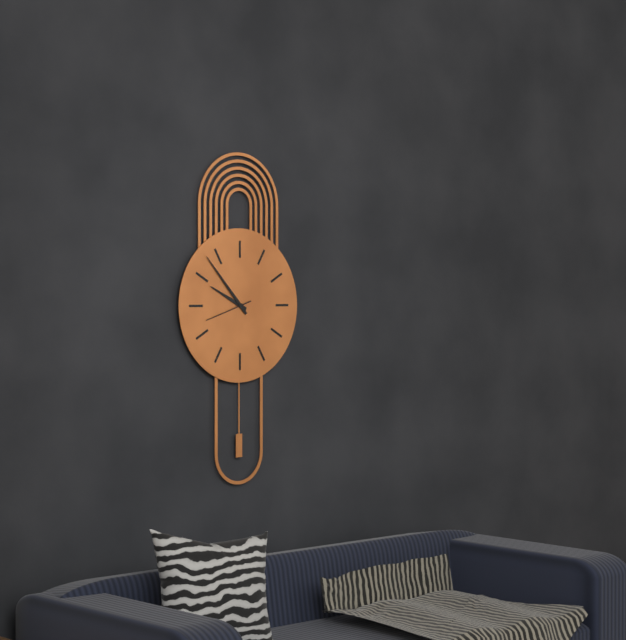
9.53
